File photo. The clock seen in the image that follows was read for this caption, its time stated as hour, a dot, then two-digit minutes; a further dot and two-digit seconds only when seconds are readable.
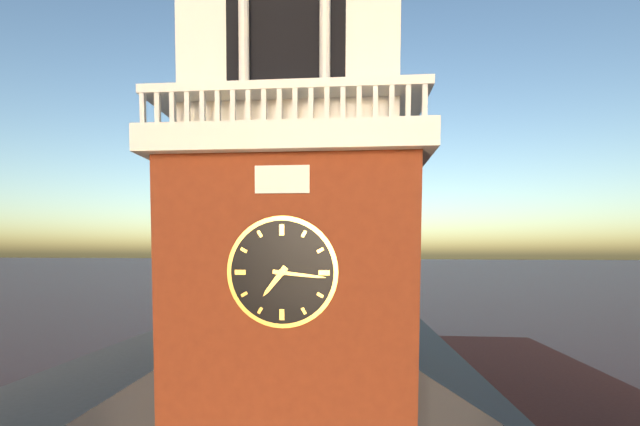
7.16
